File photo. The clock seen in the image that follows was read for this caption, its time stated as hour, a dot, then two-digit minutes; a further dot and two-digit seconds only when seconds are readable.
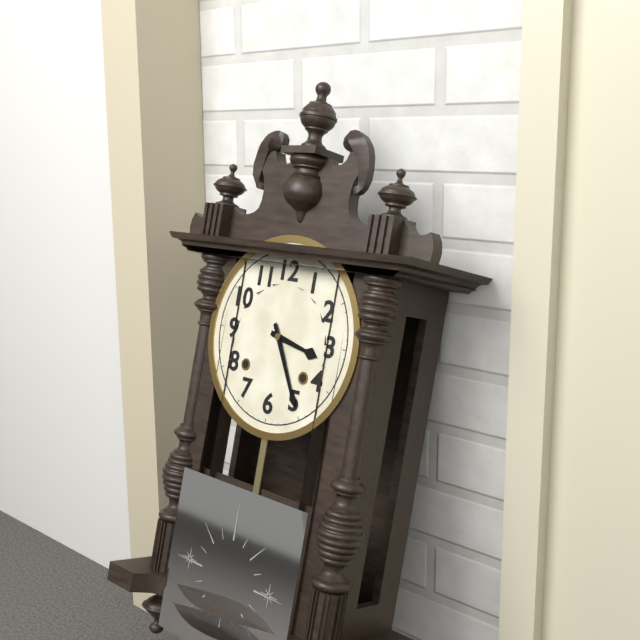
3.25
